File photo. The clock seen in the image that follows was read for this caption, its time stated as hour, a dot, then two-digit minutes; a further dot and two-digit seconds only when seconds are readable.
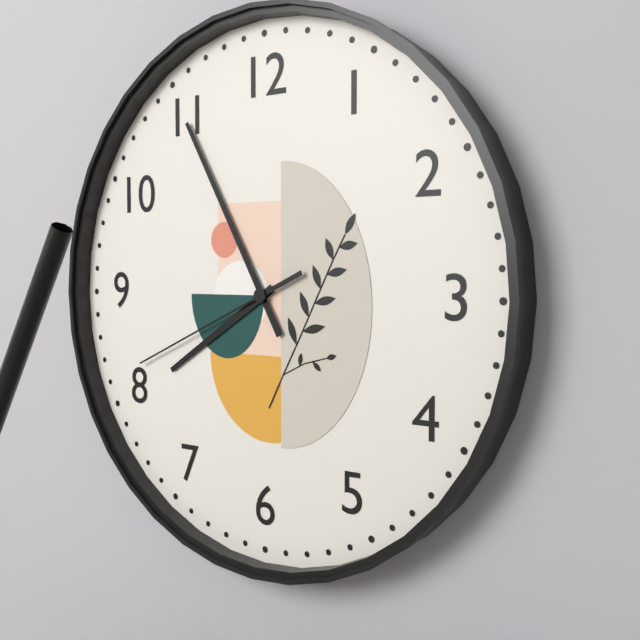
7.55.41
